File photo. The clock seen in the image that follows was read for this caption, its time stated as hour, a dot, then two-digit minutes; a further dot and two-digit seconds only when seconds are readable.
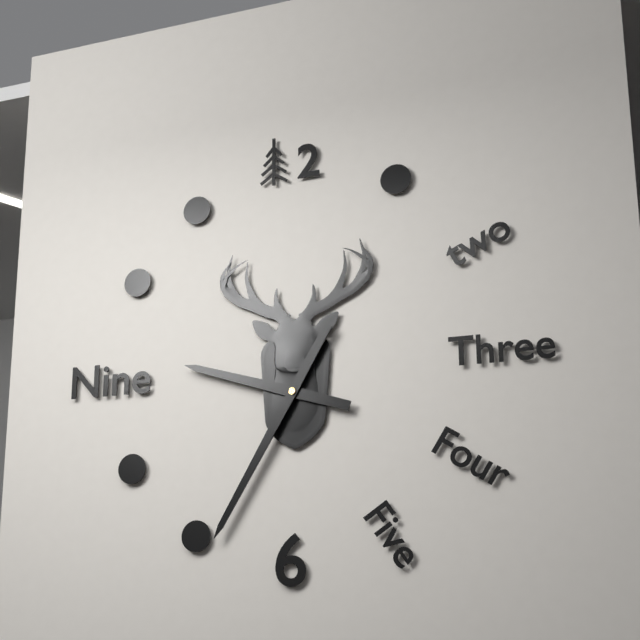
9.35
